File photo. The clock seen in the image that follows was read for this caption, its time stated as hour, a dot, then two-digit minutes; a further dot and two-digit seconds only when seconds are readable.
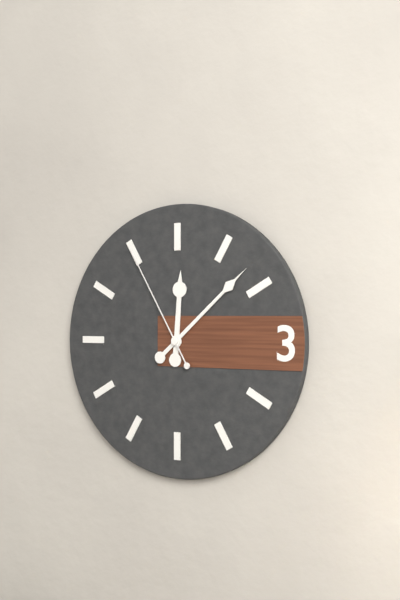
12.08.55
